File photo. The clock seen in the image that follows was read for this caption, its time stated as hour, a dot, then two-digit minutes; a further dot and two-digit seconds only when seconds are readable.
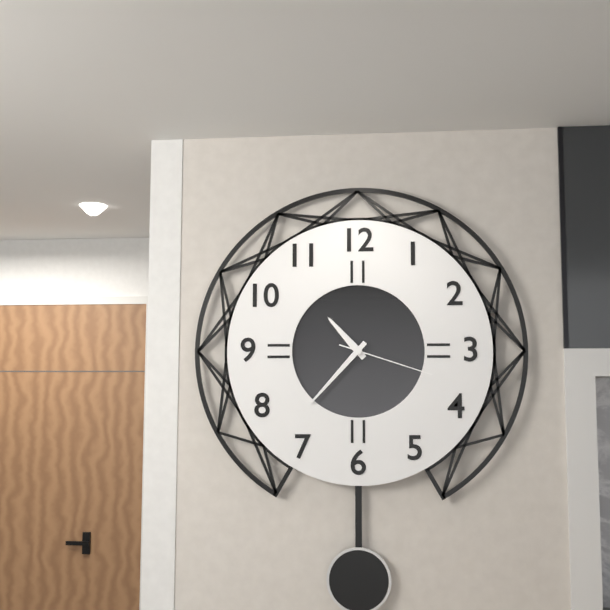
10.37.18
